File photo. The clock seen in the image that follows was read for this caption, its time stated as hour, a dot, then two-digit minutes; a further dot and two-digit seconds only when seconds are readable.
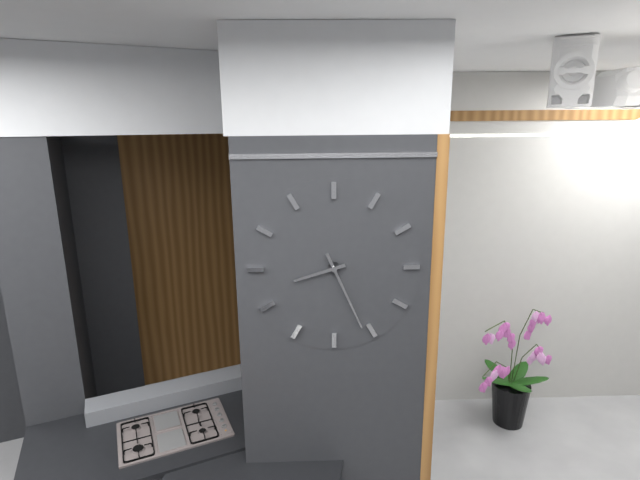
8.26
